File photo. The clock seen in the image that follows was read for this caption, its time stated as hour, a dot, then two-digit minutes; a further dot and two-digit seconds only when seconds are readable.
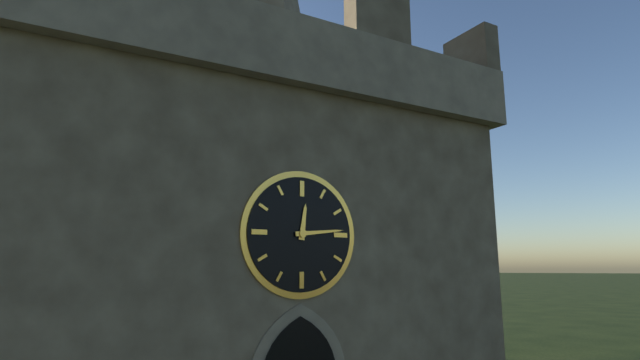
12.14
